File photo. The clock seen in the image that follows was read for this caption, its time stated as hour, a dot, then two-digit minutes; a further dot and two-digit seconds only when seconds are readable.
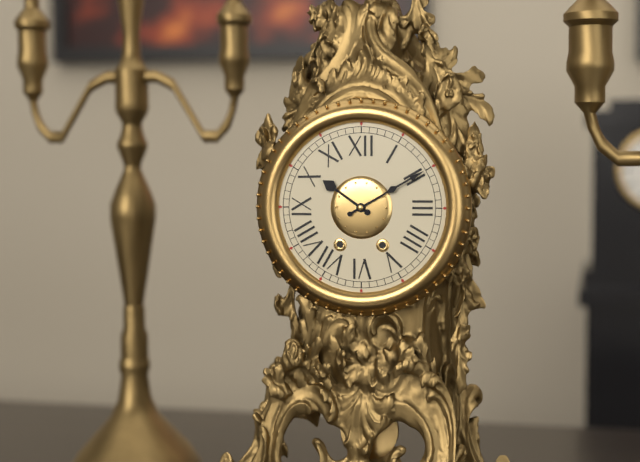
10.10
